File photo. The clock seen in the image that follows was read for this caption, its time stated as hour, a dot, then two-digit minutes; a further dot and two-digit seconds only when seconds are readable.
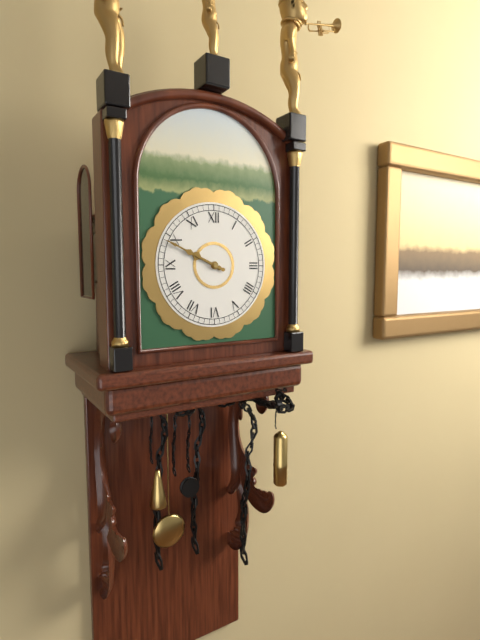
9.49
